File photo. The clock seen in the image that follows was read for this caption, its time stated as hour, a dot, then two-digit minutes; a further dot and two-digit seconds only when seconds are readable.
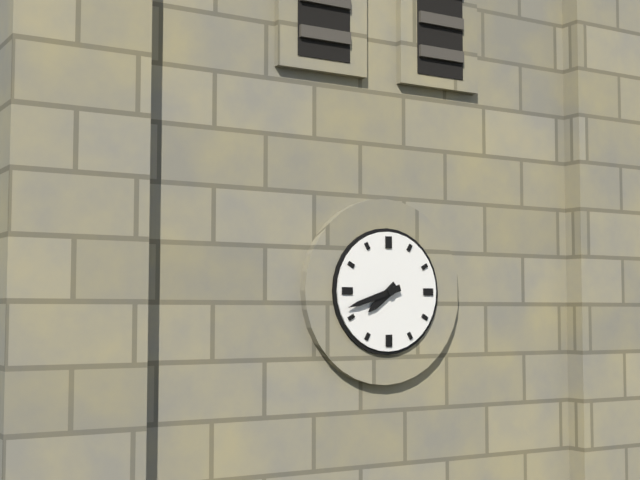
7.42
